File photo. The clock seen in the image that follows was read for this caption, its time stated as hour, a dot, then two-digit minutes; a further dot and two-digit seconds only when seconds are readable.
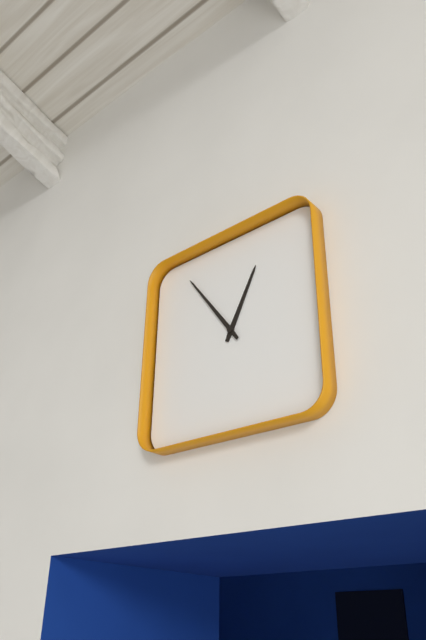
12.54
